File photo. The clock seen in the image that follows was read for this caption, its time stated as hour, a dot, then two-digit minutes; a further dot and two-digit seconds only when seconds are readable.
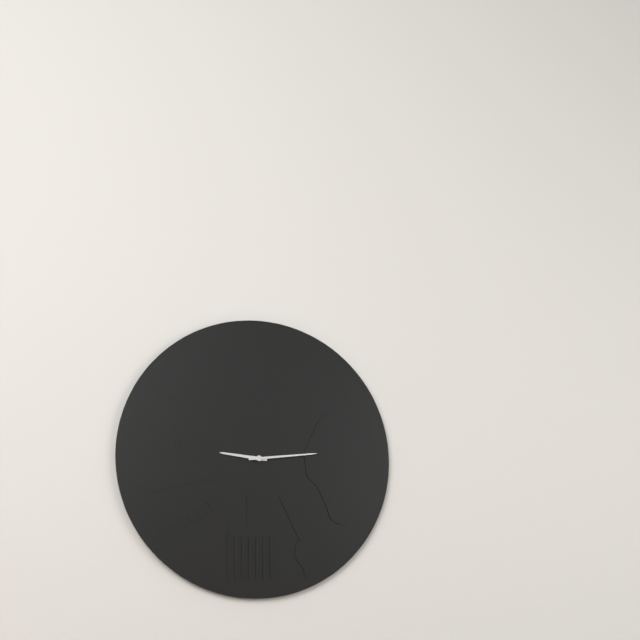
9.14
